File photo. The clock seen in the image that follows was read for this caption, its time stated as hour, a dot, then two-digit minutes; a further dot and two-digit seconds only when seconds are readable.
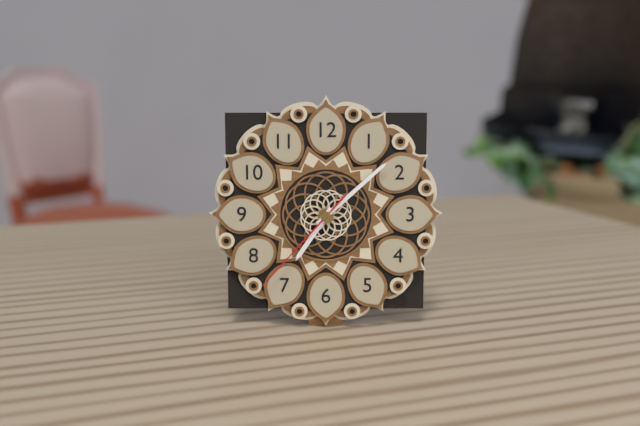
7.08.37
